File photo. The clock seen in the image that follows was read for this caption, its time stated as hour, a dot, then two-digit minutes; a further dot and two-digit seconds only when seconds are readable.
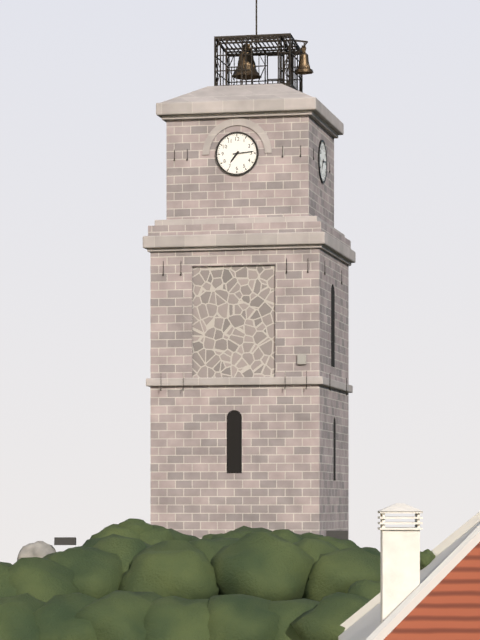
7.14
